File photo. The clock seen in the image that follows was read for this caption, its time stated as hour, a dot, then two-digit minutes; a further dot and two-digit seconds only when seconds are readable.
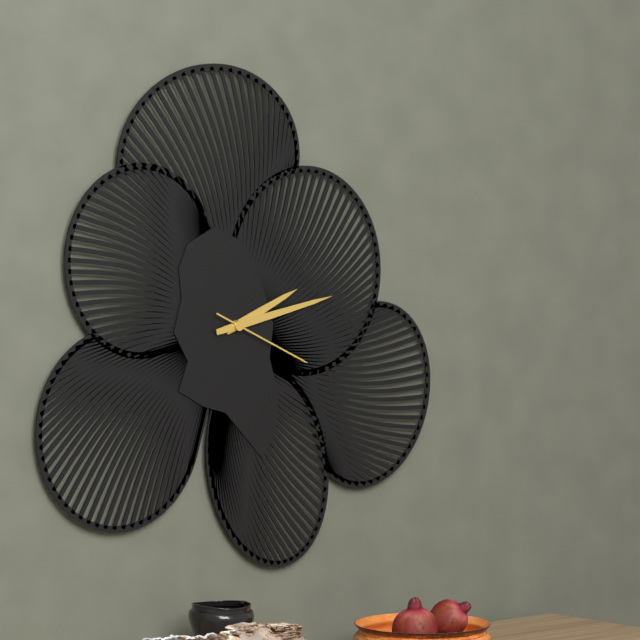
2.13.19
